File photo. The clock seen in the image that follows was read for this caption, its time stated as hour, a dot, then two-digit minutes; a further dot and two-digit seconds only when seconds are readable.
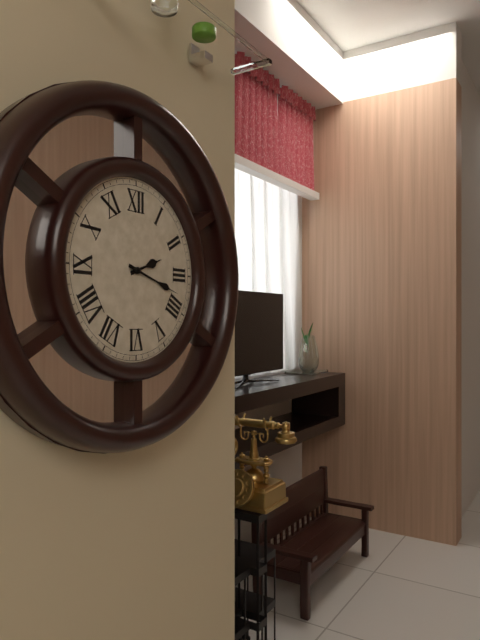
2.18
